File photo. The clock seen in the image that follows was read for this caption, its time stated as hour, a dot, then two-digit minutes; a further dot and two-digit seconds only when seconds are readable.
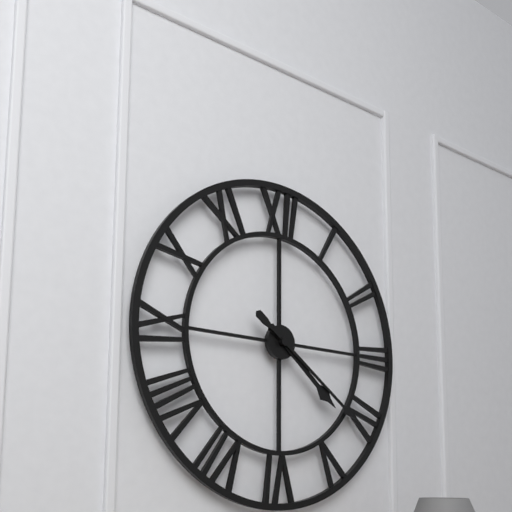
4.21
